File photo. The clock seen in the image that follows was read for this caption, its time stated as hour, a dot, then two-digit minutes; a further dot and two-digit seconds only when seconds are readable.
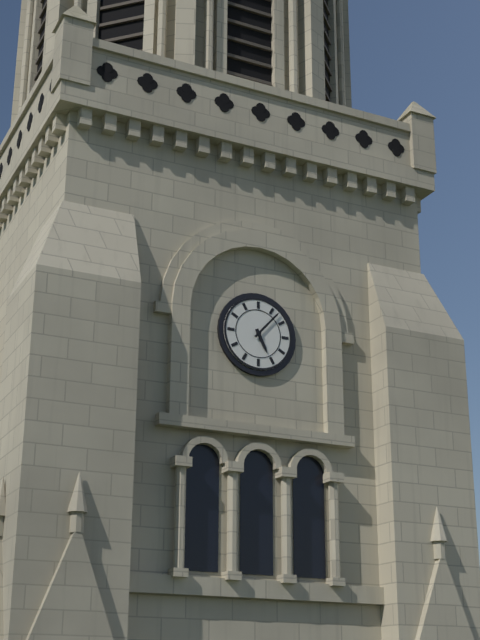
5.07
